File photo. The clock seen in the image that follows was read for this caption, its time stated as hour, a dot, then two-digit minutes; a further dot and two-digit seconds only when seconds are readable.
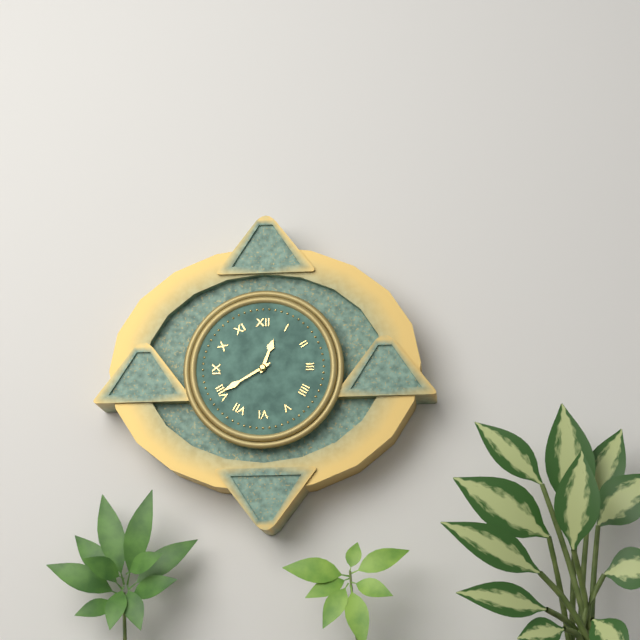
12.40
